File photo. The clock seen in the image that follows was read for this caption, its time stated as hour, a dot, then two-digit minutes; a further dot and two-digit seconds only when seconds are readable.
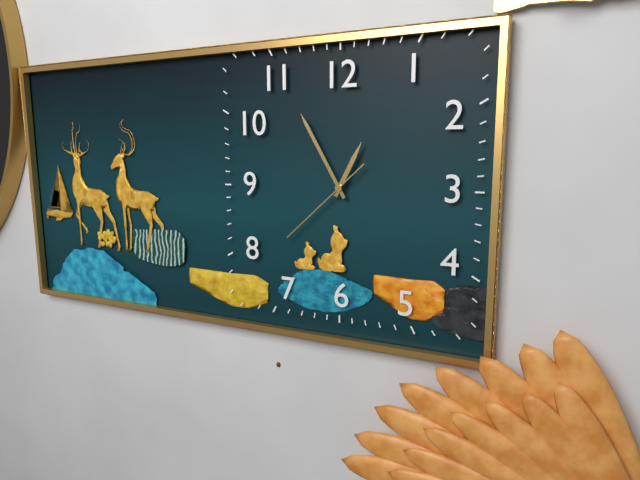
12.55.38
